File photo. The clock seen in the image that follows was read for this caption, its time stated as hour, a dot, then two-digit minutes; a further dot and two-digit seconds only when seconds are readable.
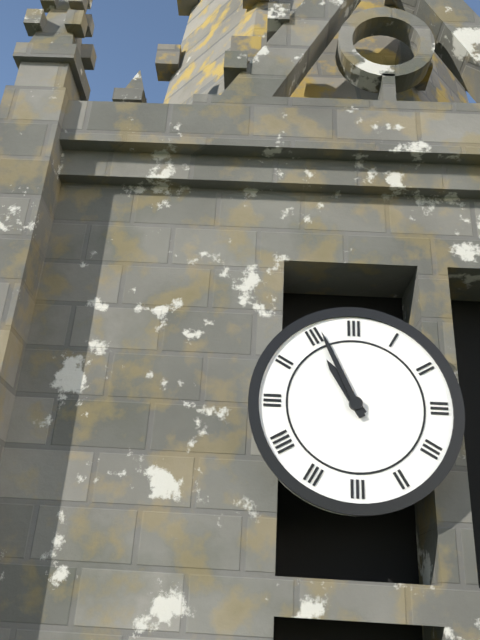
10.56
